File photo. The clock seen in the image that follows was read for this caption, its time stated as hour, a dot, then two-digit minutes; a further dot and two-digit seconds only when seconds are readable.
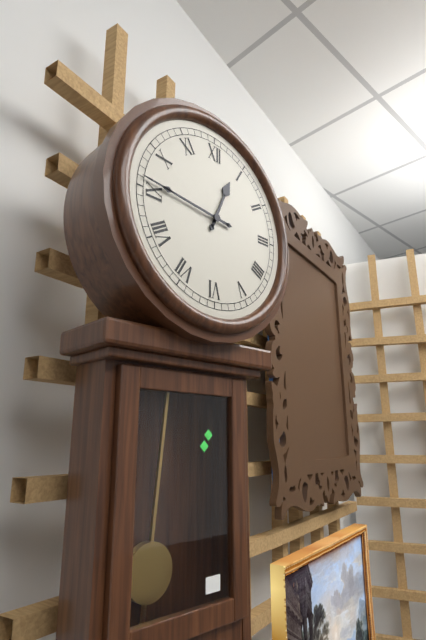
12.46
